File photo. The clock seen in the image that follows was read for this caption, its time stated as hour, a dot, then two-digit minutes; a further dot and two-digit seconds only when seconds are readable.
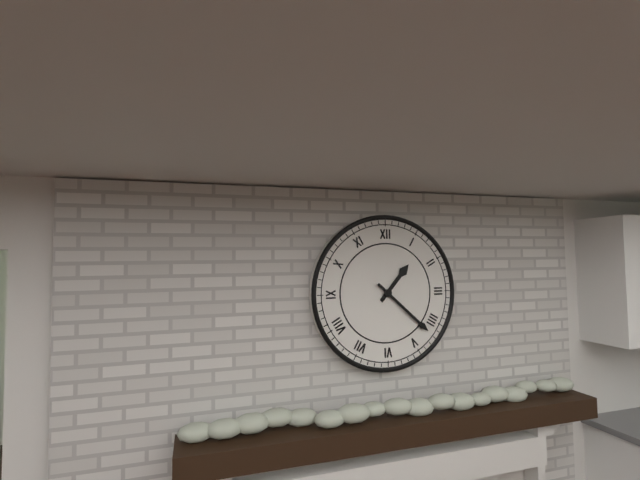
1.22
